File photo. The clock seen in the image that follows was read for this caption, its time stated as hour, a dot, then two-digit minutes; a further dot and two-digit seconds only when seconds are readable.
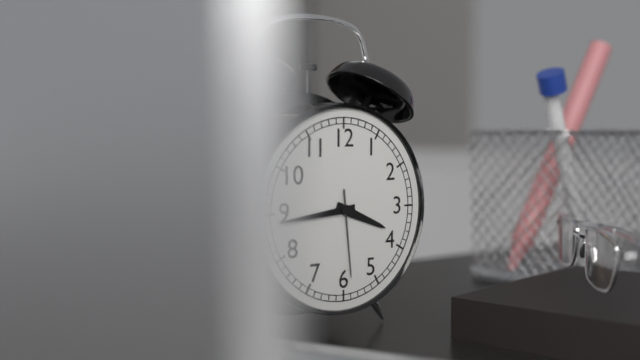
3.44.29
